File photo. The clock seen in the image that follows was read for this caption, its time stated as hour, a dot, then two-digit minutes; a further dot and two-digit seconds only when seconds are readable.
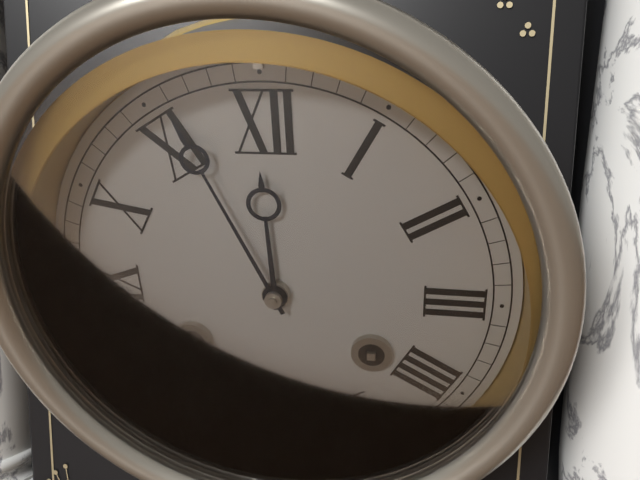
11.56
